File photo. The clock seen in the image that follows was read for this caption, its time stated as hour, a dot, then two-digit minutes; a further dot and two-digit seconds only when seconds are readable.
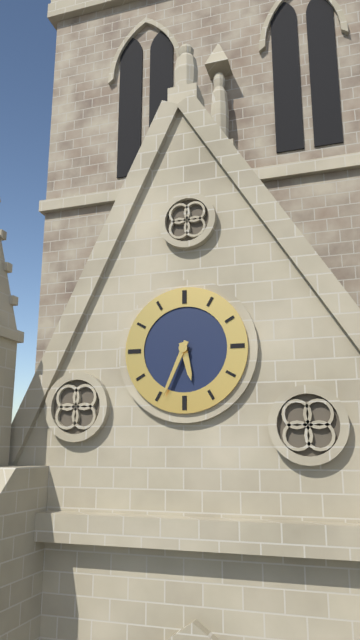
5.34
